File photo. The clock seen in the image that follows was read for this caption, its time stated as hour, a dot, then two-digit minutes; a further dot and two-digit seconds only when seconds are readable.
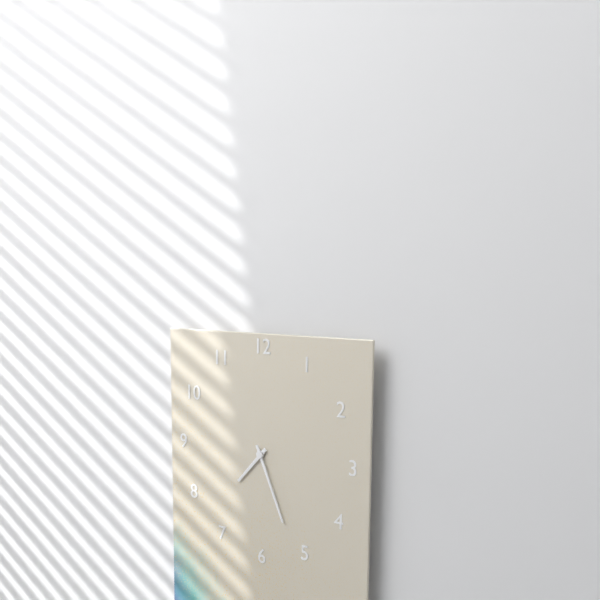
7.26
